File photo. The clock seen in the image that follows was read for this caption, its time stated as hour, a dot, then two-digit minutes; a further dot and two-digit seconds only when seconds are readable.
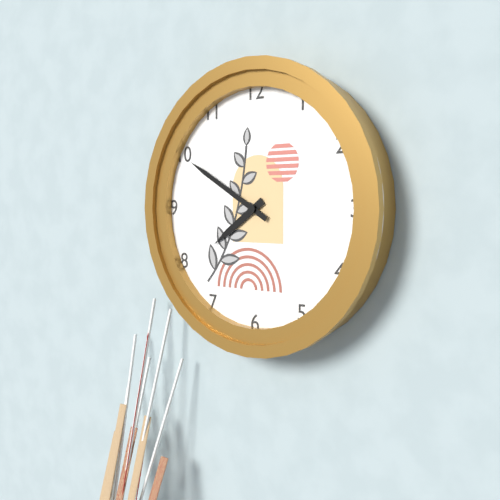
7.50
